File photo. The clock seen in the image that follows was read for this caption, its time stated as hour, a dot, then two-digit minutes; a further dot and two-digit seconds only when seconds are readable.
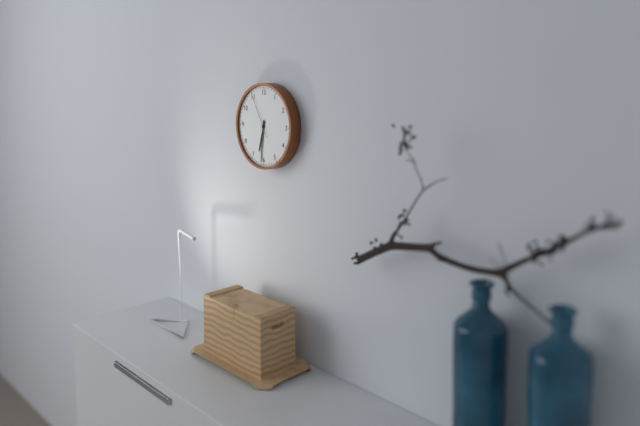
6.31
